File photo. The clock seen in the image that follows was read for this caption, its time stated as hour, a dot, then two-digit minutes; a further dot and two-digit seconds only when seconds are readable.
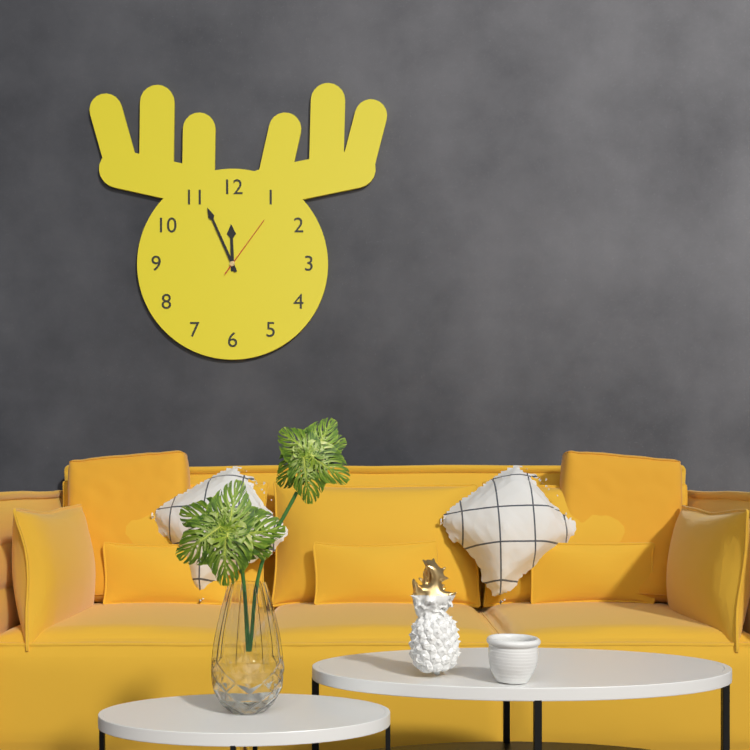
11.56.06
